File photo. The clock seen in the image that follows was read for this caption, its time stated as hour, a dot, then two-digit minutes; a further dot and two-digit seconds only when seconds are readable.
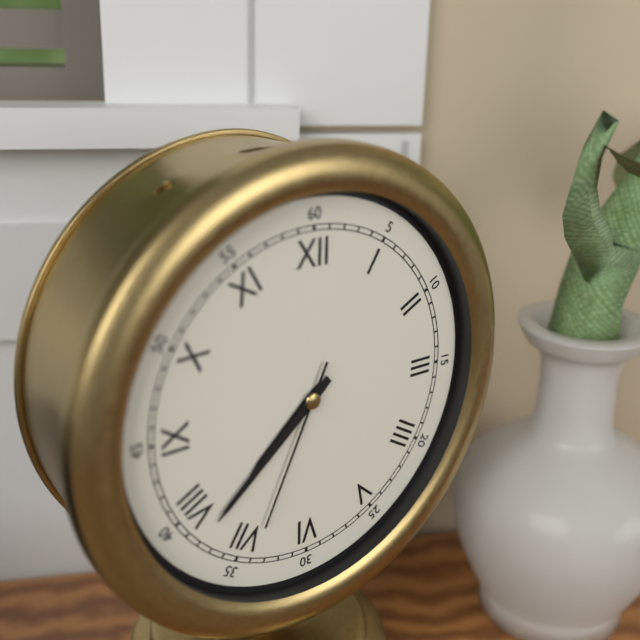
7.38.34
